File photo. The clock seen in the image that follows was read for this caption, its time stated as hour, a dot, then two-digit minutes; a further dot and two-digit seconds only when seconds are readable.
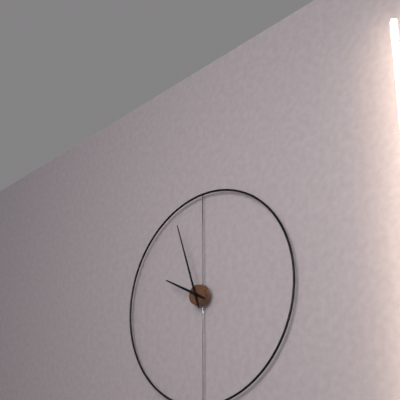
9.57
